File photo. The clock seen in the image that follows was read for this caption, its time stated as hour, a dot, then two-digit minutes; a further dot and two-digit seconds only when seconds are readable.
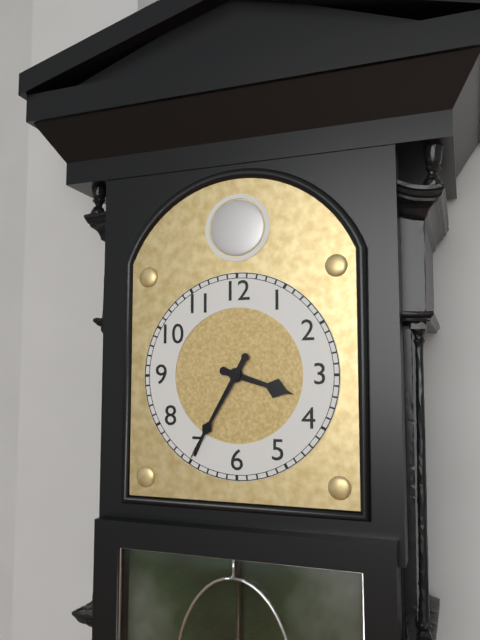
3.35
